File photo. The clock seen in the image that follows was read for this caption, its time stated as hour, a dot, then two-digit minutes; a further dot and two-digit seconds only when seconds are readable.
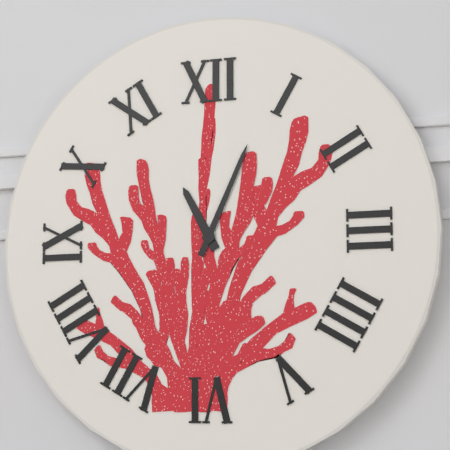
11.04
